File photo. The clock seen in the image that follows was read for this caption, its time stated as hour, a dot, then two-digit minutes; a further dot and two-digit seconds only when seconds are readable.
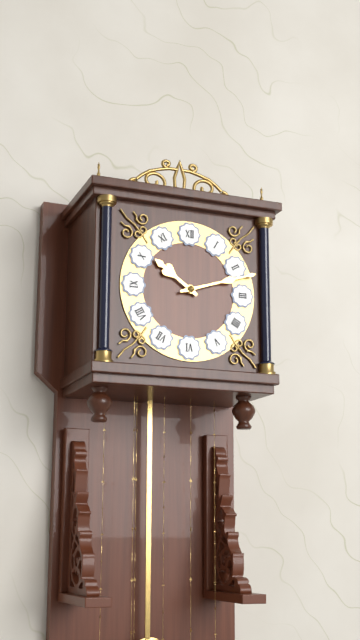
10.12
